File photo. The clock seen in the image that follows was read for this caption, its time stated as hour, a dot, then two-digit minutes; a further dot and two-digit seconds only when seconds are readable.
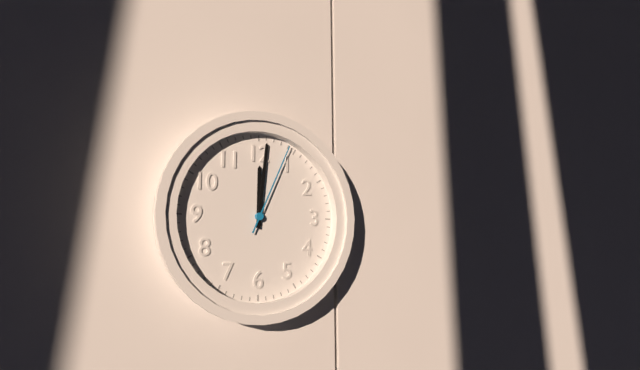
12.01.04
